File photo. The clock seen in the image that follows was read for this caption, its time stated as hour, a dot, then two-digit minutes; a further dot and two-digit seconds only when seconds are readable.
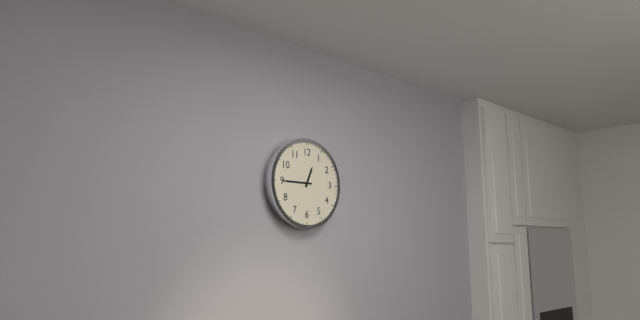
12.45
